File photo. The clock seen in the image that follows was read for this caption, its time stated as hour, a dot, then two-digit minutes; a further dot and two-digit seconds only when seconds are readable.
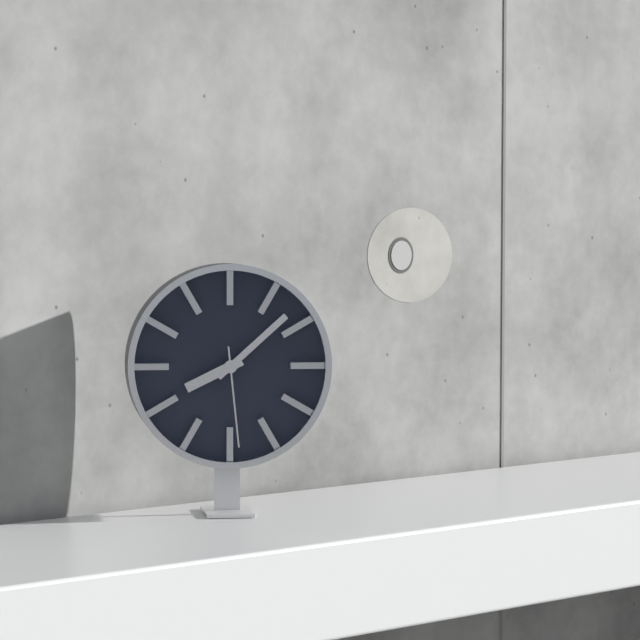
8.08.29
